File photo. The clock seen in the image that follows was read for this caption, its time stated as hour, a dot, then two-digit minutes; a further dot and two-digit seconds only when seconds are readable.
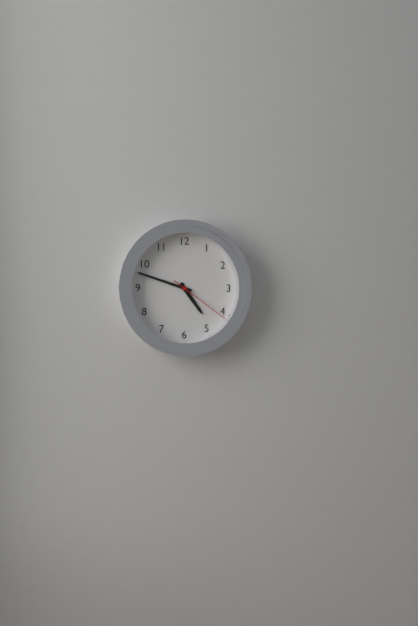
4.48.21
